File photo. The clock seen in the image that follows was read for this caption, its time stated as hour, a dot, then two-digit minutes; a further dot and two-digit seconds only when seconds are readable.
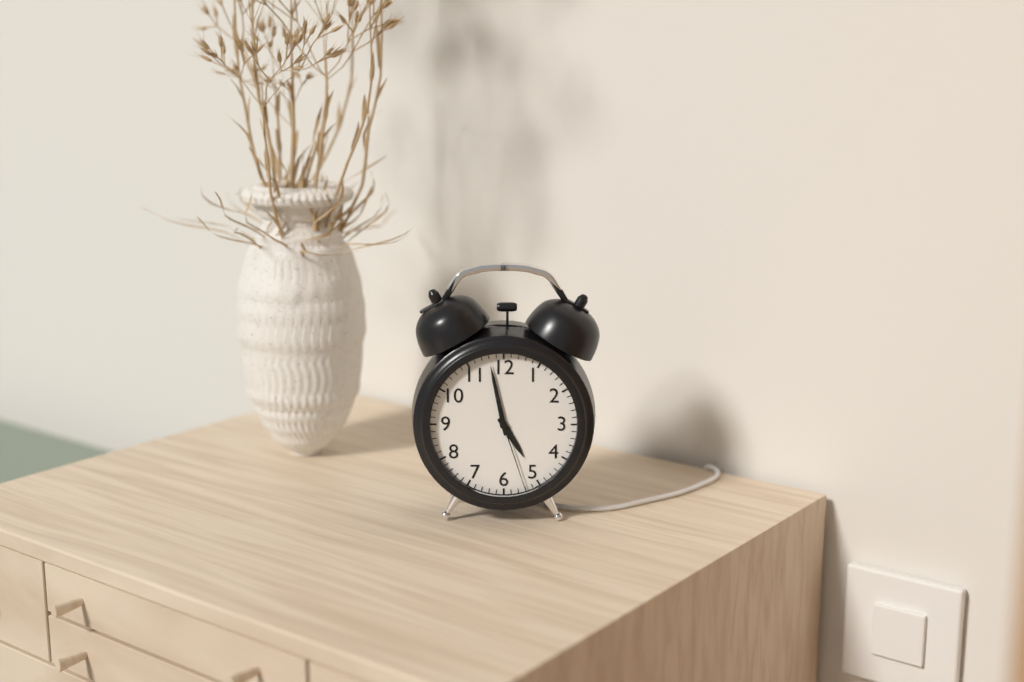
4.58.27
